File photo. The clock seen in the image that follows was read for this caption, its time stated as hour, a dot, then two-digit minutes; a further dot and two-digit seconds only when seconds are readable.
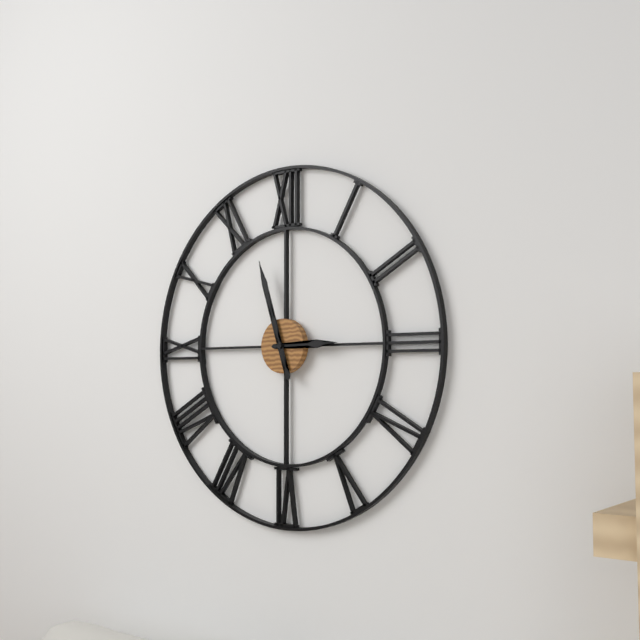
2.57
